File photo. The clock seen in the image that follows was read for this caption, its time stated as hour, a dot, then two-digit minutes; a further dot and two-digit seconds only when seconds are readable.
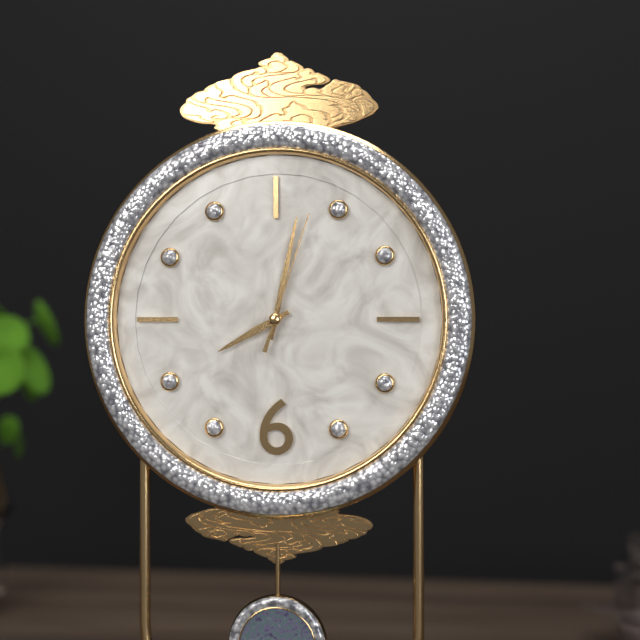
8.02.03
